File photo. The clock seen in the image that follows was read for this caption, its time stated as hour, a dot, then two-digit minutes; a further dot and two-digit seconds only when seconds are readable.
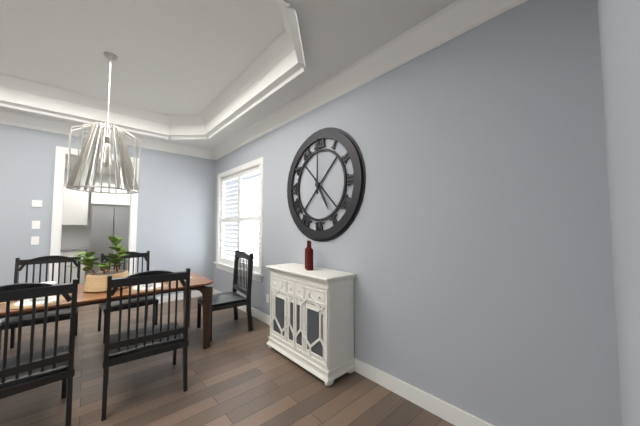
5.00
